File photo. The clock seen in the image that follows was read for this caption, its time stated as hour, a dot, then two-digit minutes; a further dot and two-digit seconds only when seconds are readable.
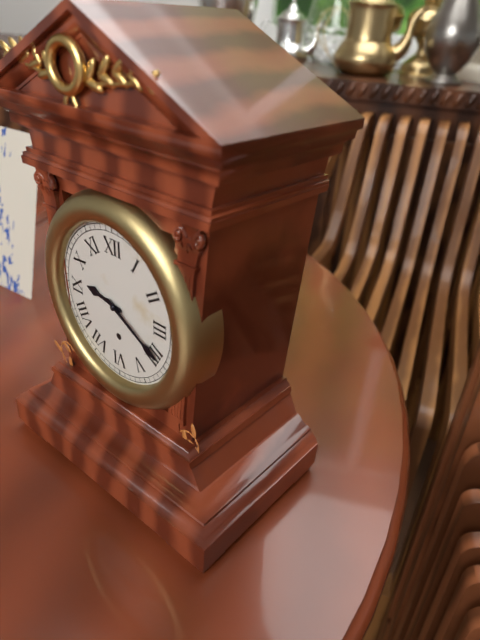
9.20
